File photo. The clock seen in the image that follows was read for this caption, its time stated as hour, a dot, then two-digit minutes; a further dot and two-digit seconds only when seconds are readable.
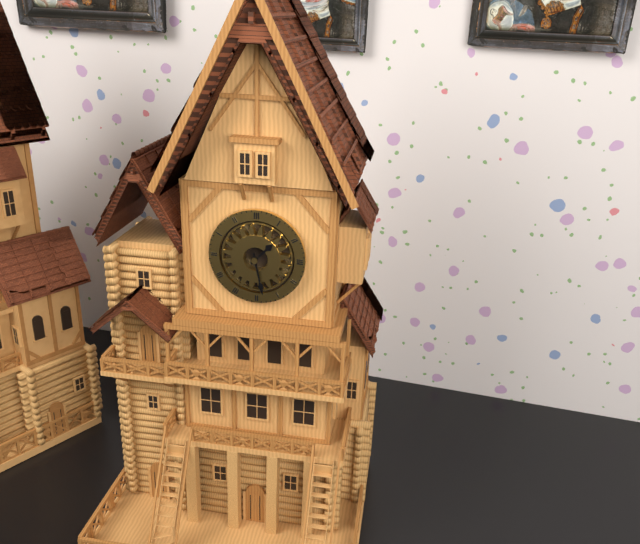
1.28
